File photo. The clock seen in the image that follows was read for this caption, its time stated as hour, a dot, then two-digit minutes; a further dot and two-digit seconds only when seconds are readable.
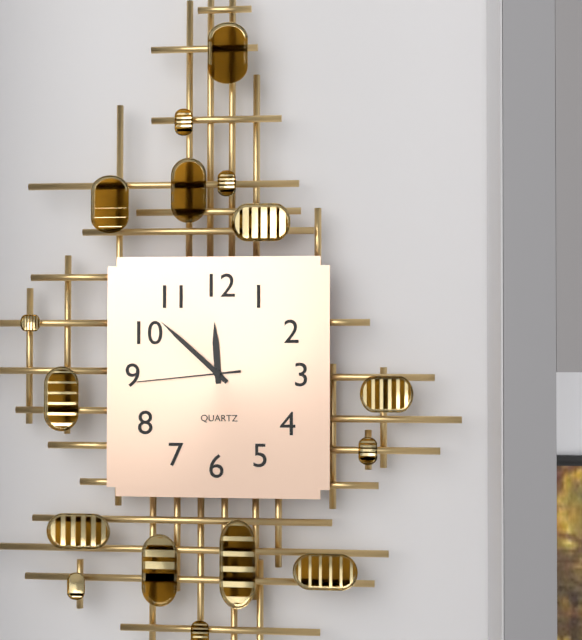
11.52.44
